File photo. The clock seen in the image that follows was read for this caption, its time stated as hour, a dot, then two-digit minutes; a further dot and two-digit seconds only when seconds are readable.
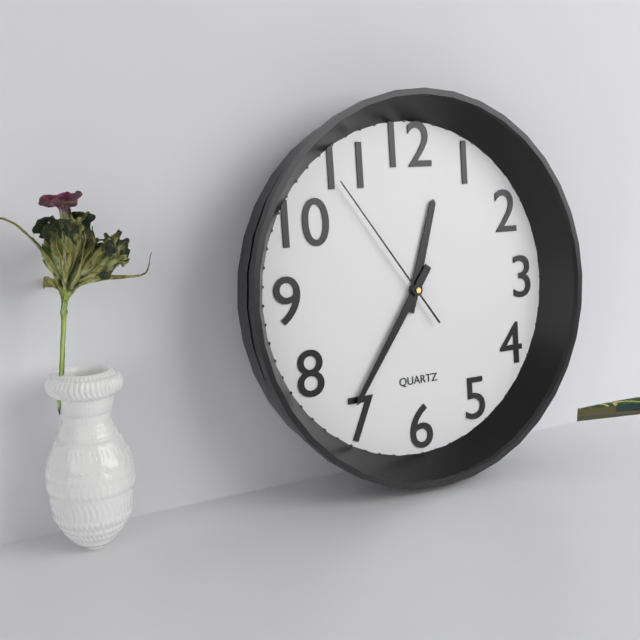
12.36.54
